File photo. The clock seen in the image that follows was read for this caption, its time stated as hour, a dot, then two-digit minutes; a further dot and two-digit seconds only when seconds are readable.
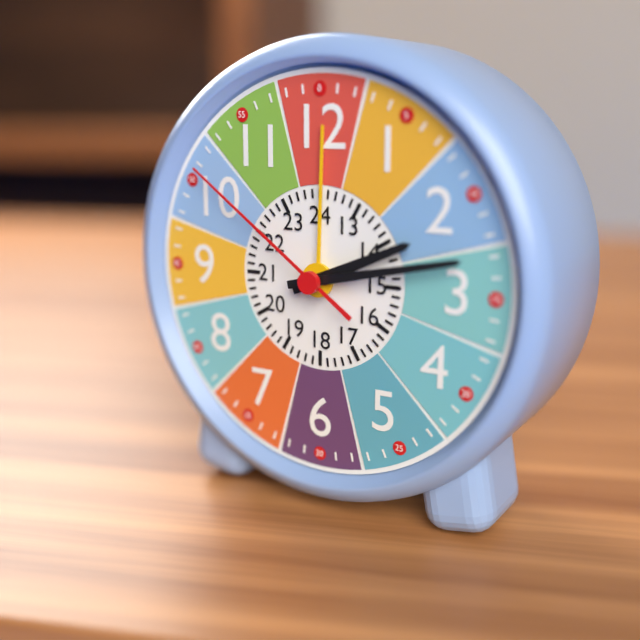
2.13.51
